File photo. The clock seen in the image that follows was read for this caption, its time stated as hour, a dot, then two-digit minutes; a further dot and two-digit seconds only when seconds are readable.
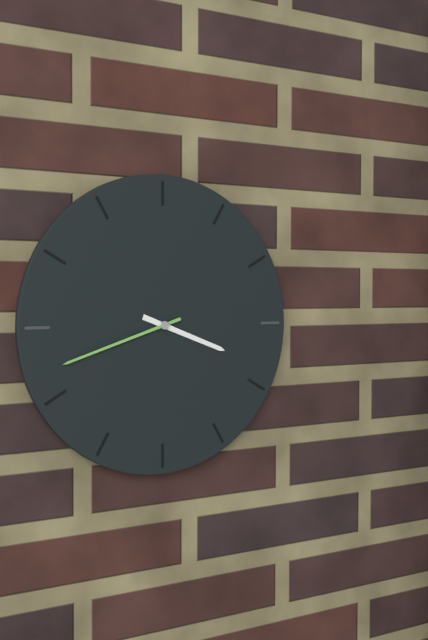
3.42
